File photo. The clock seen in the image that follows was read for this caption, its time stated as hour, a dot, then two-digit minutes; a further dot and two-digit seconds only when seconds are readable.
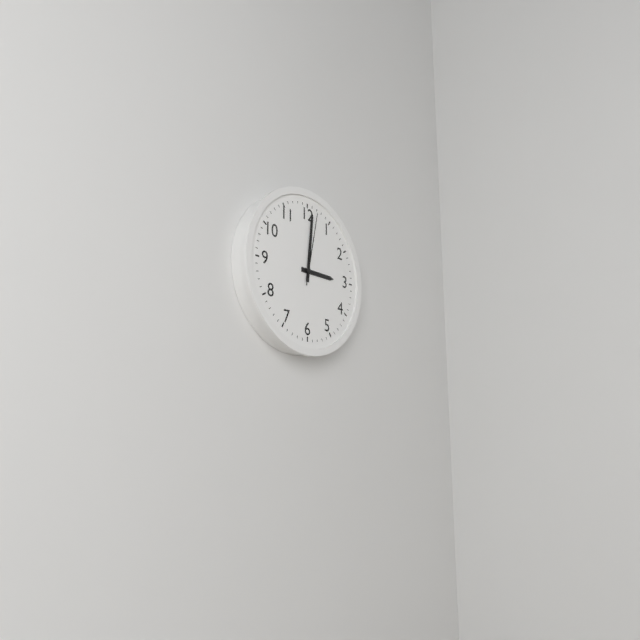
3.01.02
